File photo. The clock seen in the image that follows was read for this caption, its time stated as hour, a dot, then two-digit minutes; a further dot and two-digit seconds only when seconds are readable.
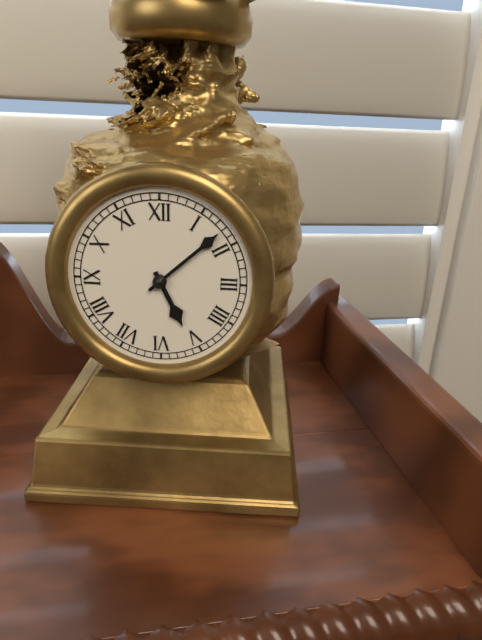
5.08
